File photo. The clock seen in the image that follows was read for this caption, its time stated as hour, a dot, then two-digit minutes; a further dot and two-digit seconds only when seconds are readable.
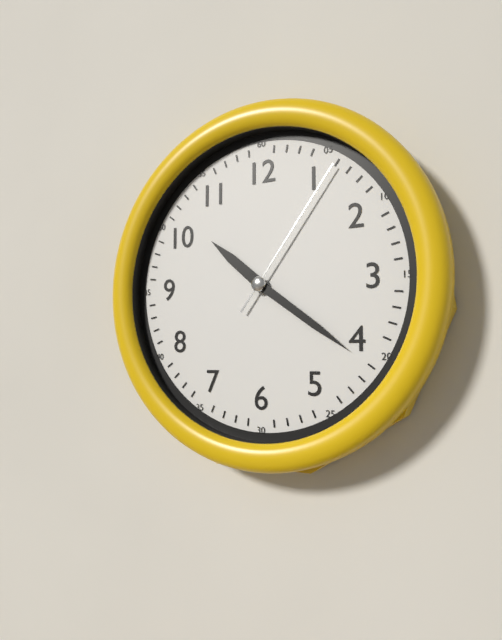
10.21.06
